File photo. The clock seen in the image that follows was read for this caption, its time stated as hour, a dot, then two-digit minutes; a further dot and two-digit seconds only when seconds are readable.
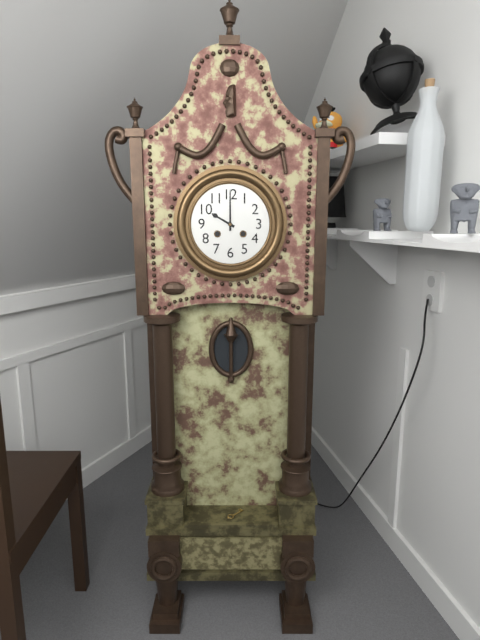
10.00
